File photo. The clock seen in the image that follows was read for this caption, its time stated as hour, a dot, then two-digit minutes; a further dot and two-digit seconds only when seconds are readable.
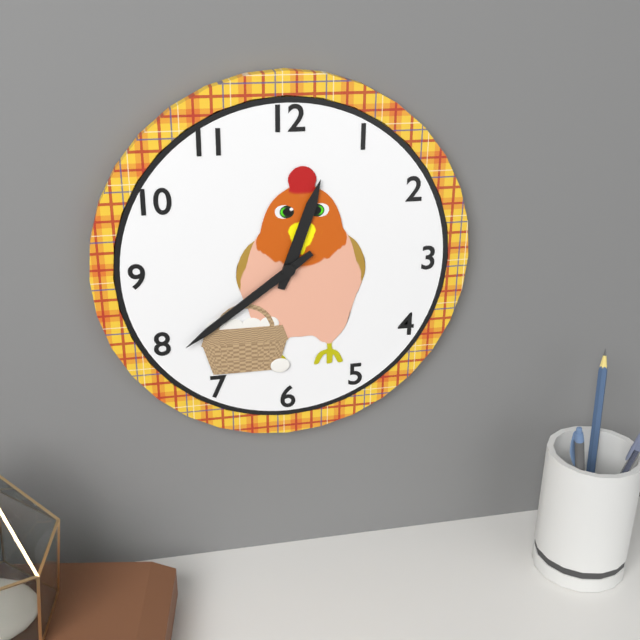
12.39
